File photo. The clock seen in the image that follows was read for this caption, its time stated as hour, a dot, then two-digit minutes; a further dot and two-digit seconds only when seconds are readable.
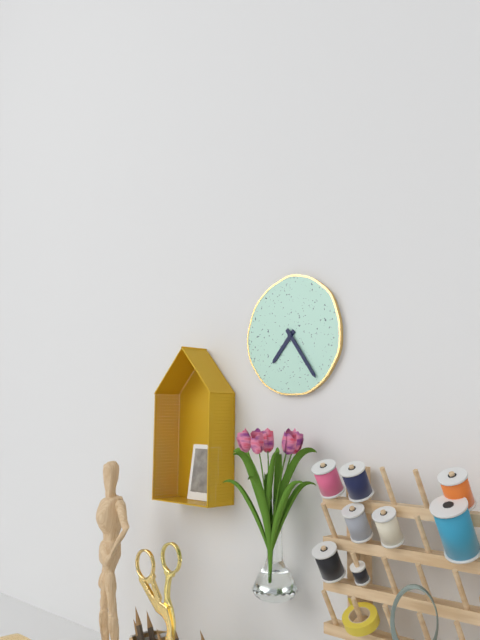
7.24
